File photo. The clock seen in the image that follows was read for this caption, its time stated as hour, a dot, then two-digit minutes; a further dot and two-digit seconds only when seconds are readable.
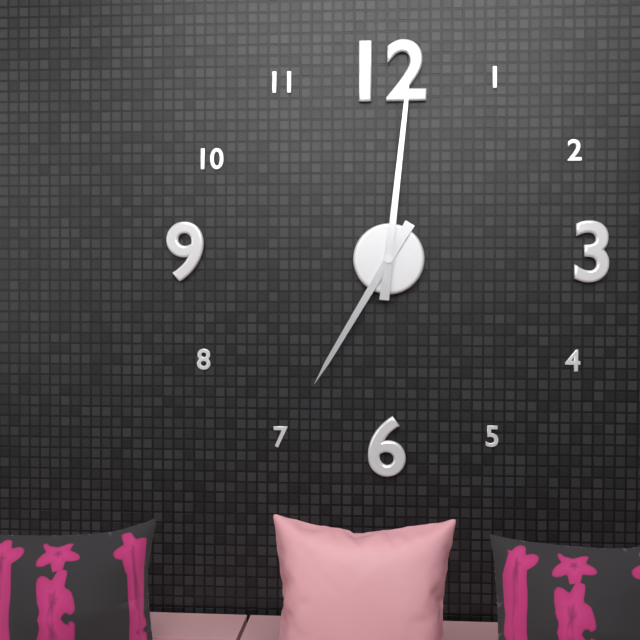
7.01
